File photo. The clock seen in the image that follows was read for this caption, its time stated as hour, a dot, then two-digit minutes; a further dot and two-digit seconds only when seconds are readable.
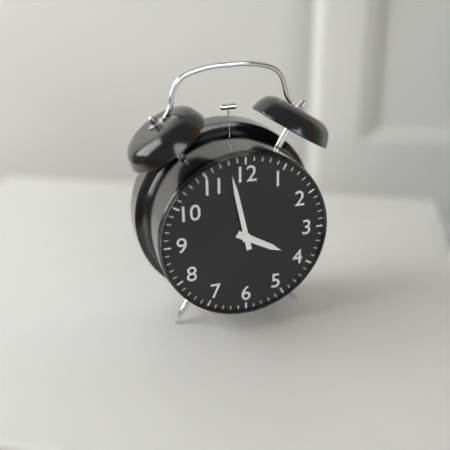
3.58
